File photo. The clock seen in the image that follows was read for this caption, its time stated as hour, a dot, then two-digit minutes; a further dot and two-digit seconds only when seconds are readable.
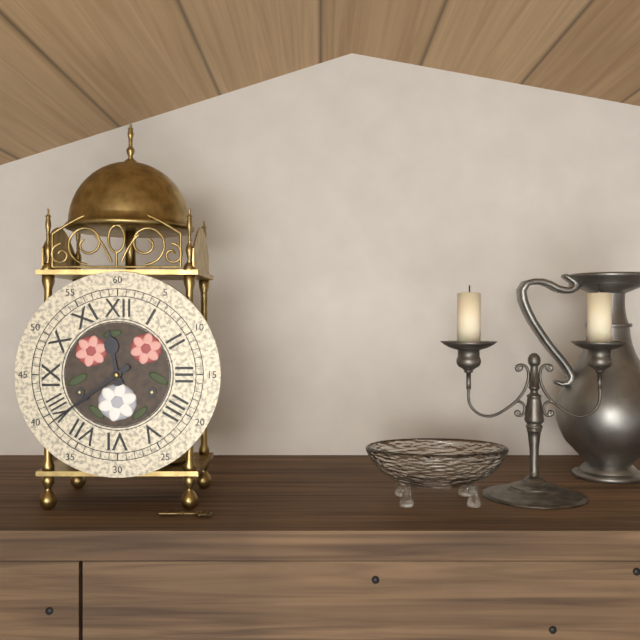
11.39
